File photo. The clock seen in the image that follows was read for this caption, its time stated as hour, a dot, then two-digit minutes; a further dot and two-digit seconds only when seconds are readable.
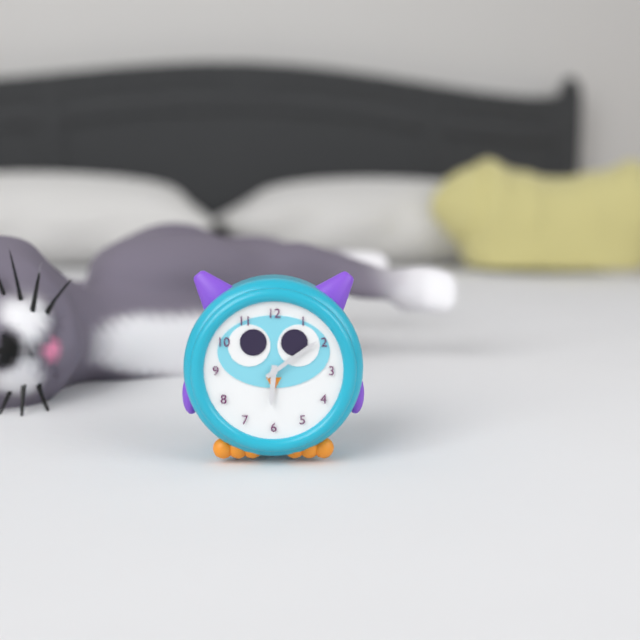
6.09
